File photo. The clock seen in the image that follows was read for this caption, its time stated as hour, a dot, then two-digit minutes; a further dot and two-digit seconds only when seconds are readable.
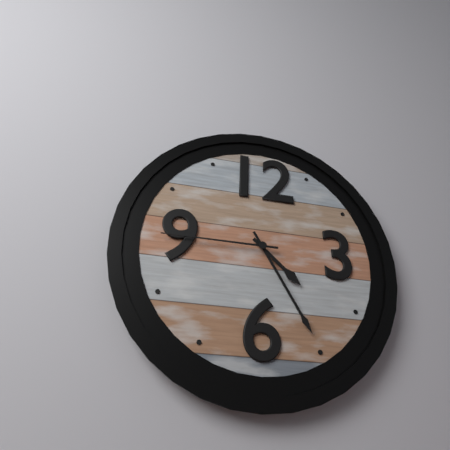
4.25.45
